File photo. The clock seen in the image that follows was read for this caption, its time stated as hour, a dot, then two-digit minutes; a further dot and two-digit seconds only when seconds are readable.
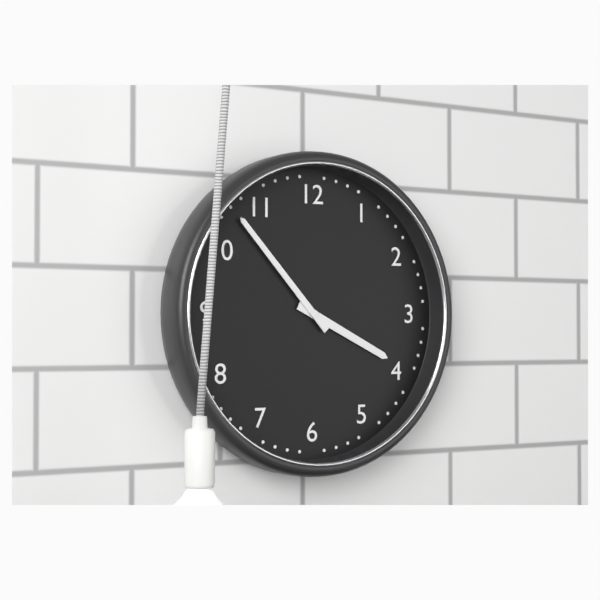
3.53
